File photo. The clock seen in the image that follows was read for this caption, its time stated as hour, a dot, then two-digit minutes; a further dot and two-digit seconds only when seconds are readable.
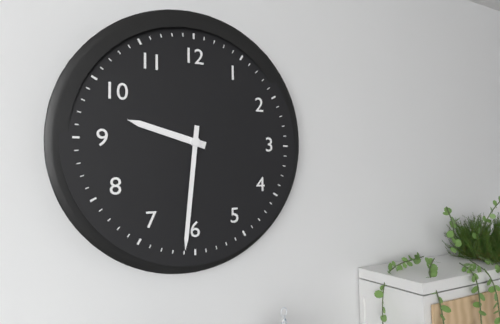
9.31
